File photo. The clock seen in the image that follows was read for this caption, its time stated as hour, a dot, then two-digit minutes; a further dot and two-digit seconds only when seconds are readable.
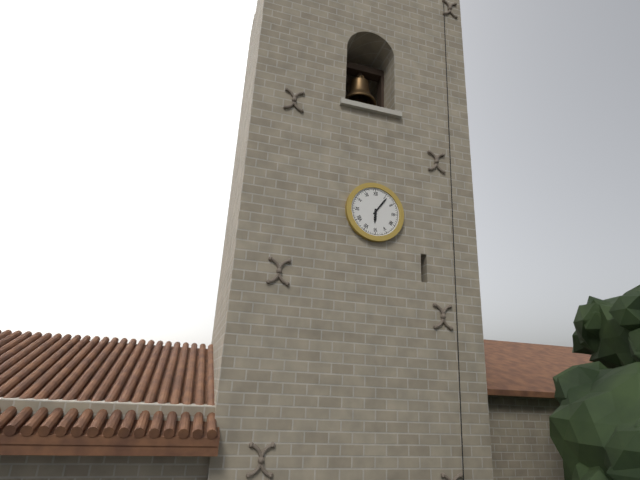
6.06
